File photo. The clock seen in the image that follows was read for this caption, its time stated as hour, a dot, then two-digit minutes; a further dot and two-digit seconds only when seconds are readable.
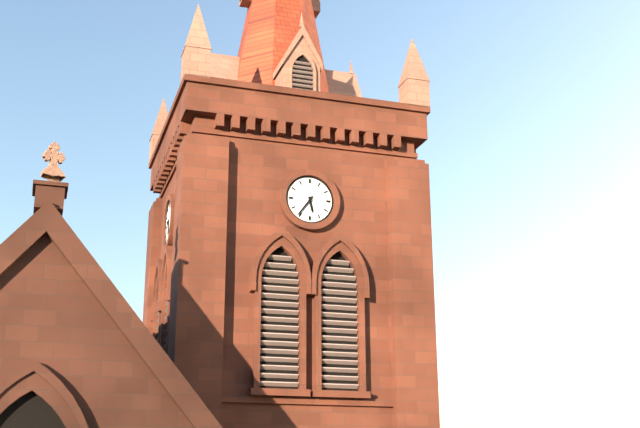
5.36
